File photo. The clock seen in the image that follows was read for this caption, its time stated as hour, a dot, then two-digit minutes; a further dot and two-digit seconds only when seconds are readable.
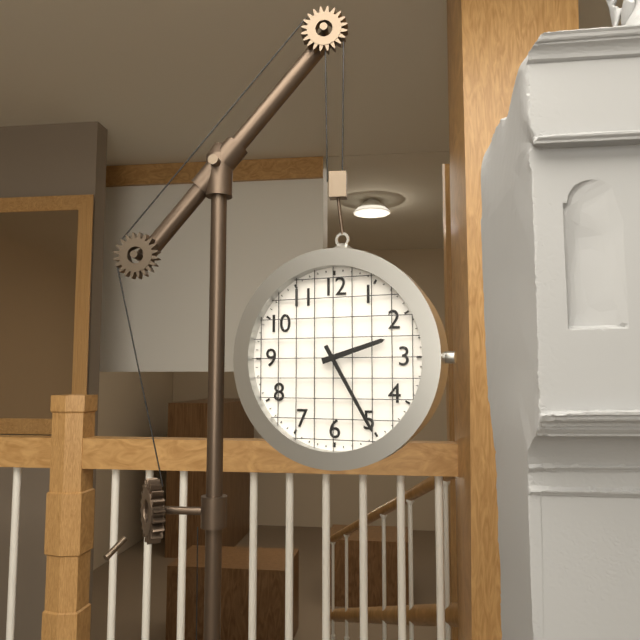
2.25
